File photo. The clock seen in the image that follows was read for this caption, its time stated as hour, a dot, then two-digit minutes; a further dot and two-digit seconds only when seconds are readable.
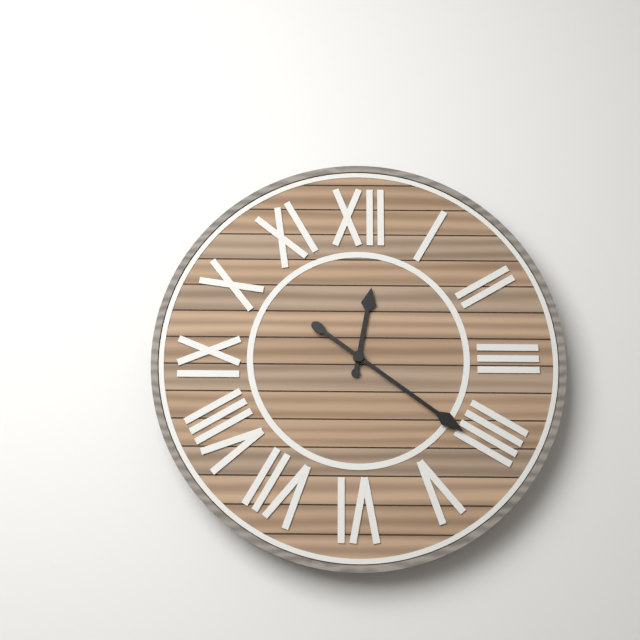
12.21
